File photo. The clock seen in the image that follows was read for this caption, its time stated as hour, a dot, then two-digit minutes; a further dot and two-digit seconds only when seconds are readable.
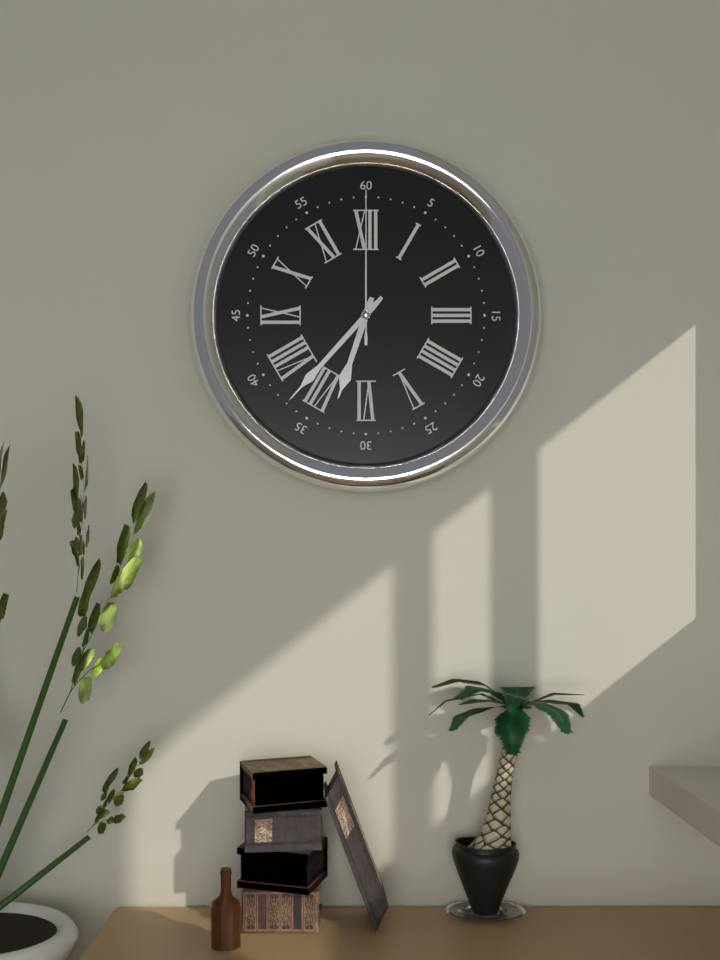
6.37.00
